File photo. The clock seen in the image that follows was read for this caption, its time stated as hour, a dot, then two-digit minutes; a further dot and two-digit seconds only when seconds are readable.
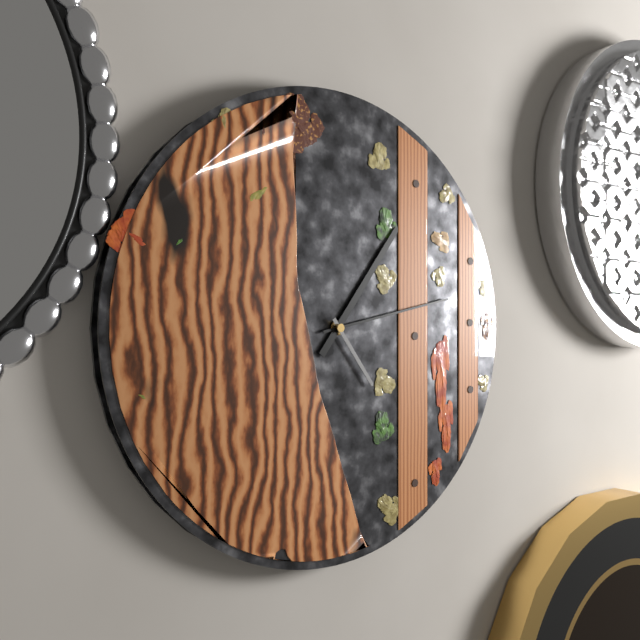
1.13.24
